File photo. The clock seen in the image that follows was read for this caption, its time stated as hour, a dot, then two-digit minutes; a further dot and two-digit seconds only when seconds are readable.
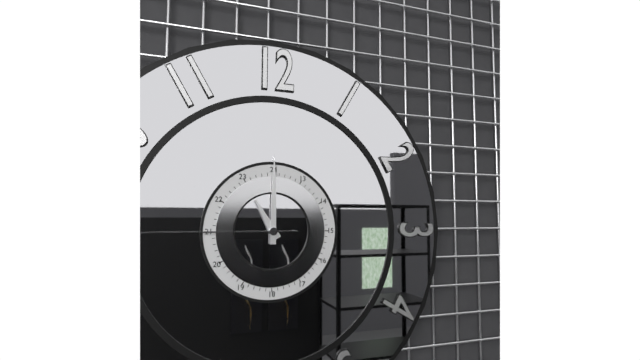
11.00.45
